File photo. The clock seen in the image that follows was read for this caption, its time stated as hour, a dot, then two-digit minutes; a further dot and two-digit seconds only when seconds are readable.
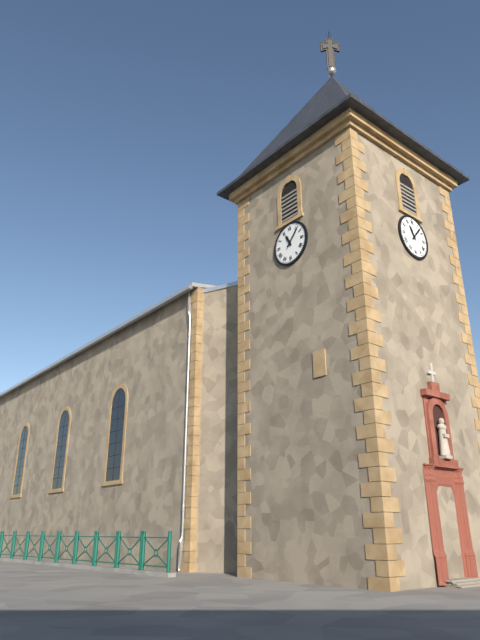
11.07
